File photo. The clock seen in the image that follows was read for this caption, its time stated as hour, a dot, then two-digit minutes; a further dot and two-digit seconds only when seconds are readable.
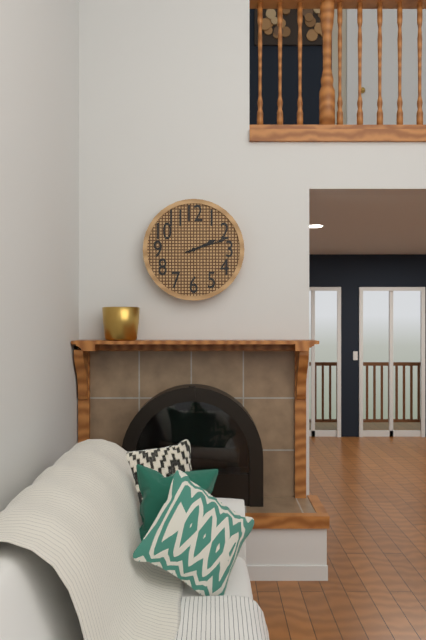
2.12
